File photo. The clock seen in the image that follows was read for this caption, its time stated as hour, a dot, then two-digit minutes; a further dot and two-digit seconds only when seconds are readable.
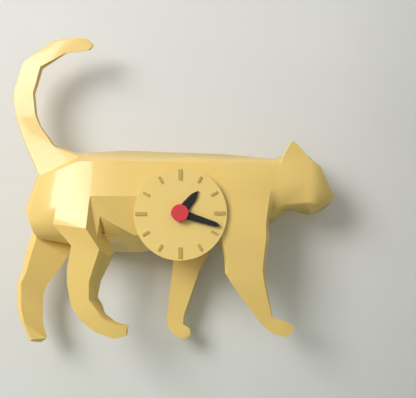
1.18
